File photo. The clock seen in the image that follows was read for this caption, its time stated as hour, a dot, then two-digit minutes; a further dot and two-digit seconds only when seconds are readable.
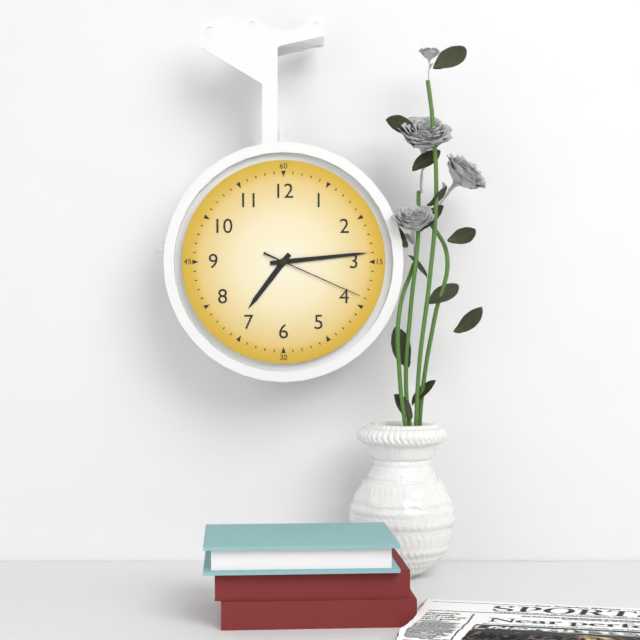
7.14.19
